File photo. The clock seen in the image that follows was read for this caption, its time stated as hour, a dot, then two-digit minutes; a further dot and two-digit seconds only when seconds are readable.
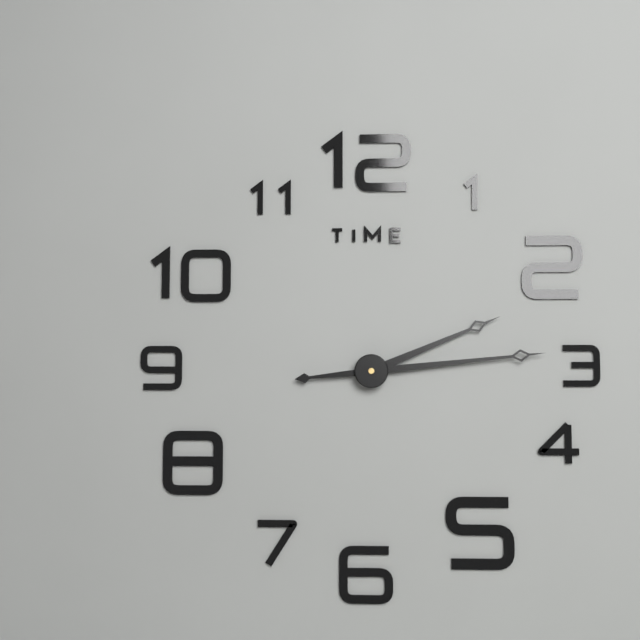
2.14
